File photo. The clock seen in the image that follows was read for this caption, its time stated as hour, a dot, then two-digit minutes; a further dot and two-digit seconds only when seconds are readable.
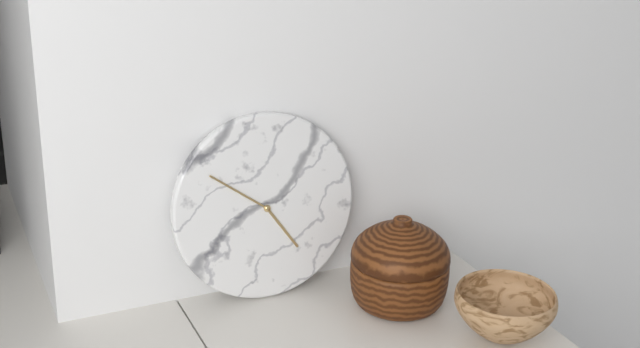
4.51
